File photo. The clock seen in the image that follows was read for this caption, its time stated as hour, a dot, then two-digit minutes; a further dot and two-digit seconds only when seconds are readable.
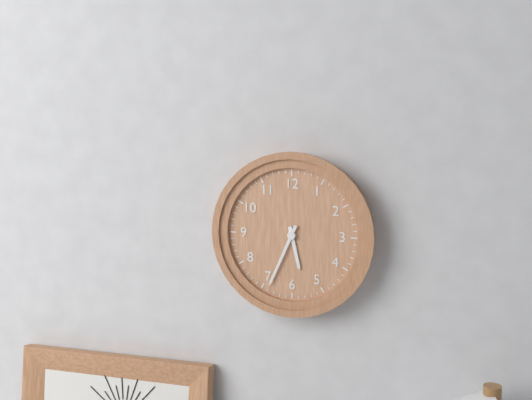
5.34
